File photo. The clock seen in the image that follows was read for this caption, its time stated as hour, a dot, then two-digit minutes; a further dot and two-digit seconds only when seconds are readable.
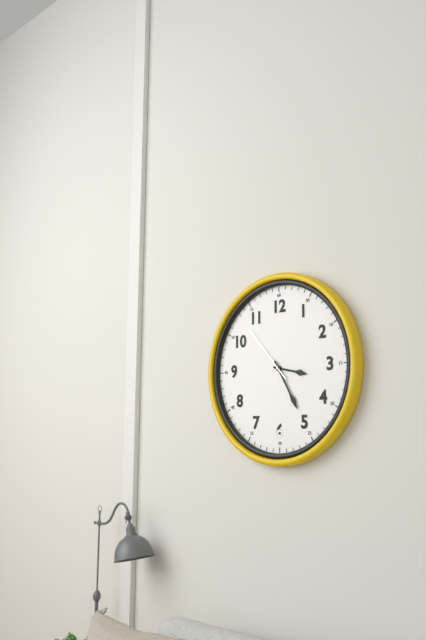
3.25.53
